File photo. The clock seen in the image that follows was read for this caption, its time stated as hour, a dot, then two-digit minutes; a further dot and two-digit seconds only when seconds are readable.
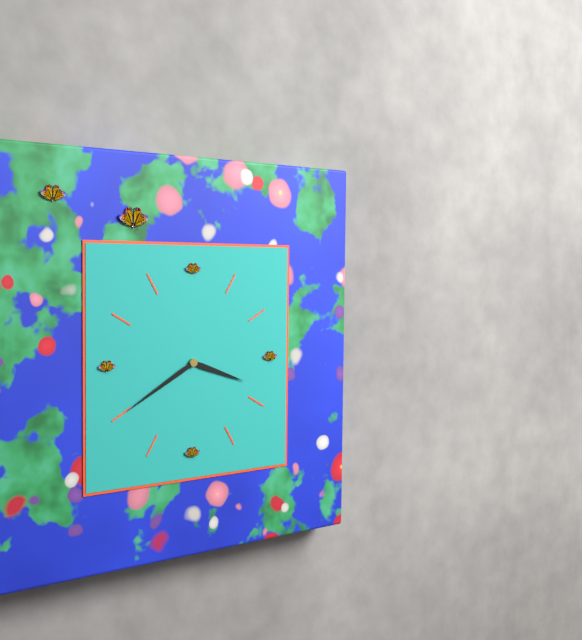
3.40
